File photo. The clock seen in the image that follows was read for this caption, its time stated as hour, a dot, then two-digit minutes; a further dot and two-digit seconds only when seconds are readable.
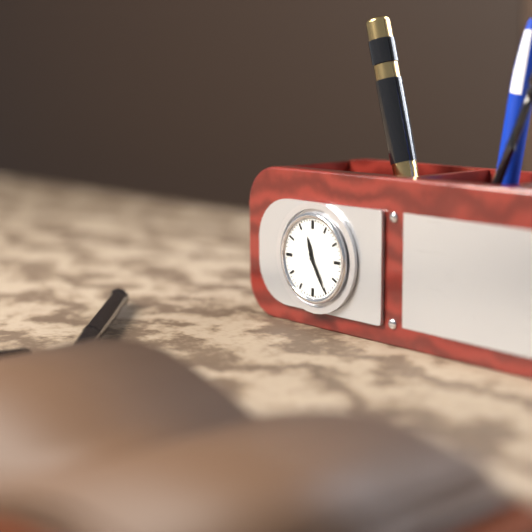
11.25
